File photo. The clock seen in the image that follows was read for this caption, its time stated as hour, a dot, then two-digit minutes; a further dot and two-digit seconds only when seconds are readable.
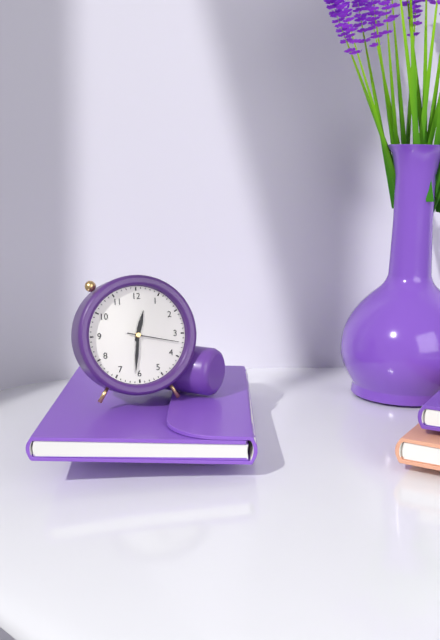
12.31.17
